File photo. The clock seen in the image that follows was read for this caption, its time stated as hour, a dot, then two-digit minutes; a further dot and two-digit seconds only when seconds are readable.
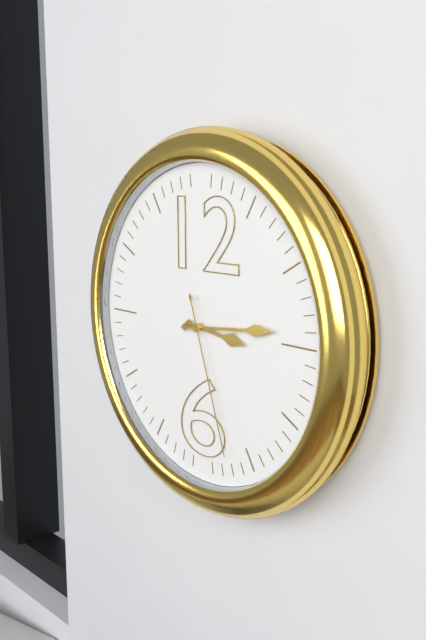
3.14.27
